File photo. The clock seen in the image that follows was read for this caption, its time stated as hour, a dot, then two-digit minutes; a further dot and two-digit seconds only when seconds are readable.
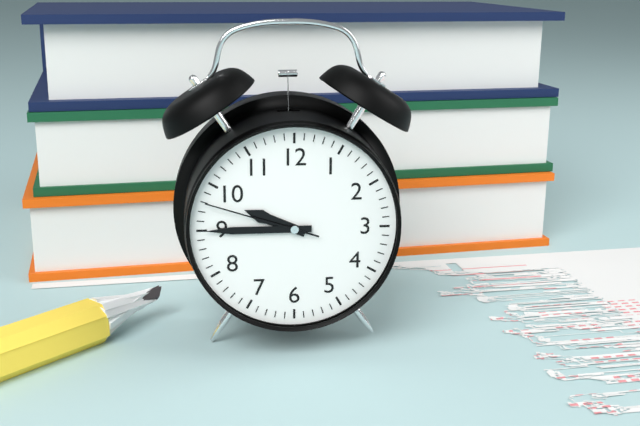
9.45.48
